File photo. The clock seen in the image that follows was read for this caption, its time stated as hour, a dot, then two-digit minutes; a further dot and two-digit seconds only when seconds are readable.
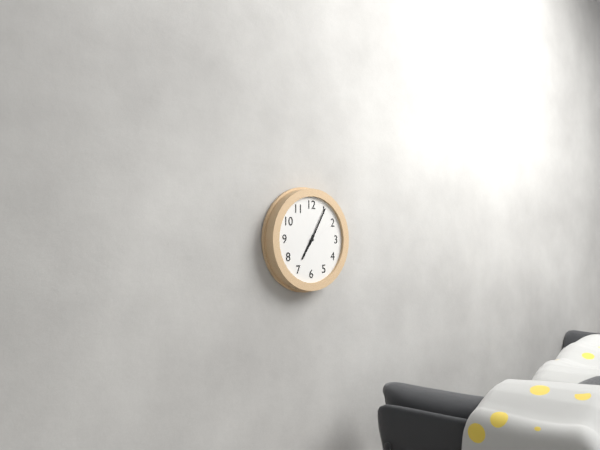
7.05
